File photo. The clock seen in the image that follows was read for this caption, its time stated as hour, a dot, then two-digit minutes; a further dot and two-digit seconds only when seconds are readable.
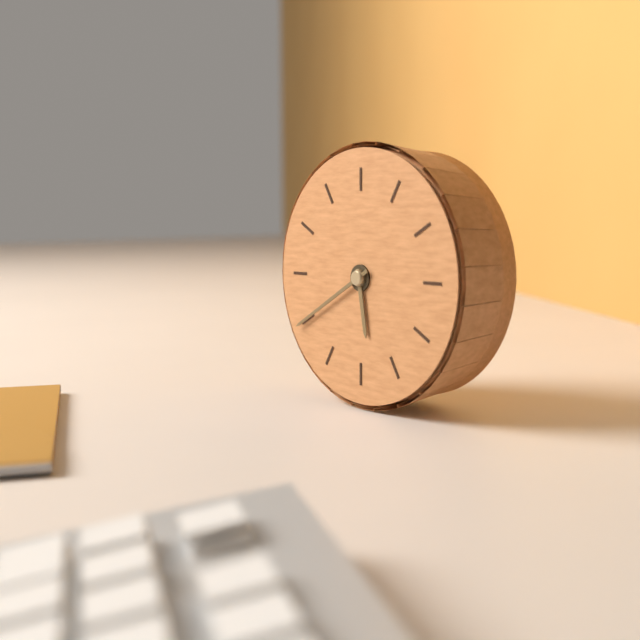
5.40
